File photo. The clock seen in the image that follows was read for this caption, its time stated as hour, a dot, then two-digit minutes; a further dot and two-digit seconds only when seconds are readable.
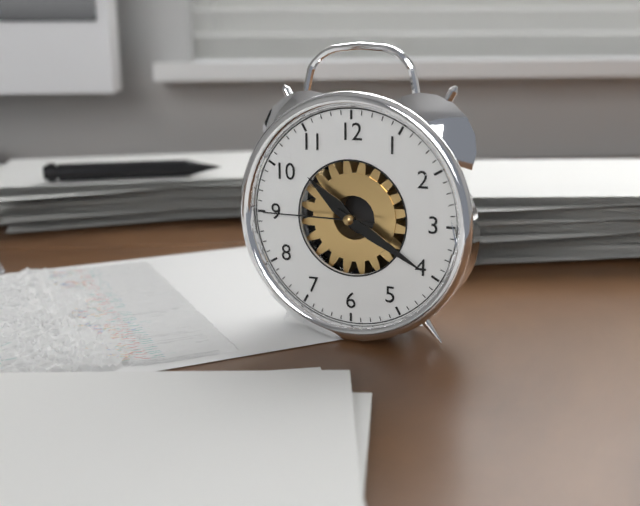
10.20.45
